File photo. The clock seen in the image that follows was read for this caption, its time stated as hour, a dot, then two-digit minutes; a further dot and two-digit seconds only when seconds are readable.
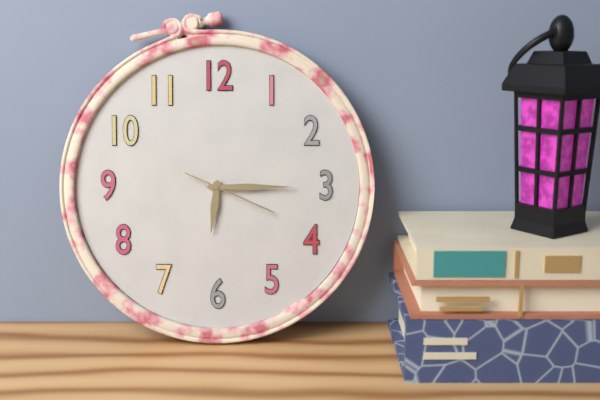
6.15.19
